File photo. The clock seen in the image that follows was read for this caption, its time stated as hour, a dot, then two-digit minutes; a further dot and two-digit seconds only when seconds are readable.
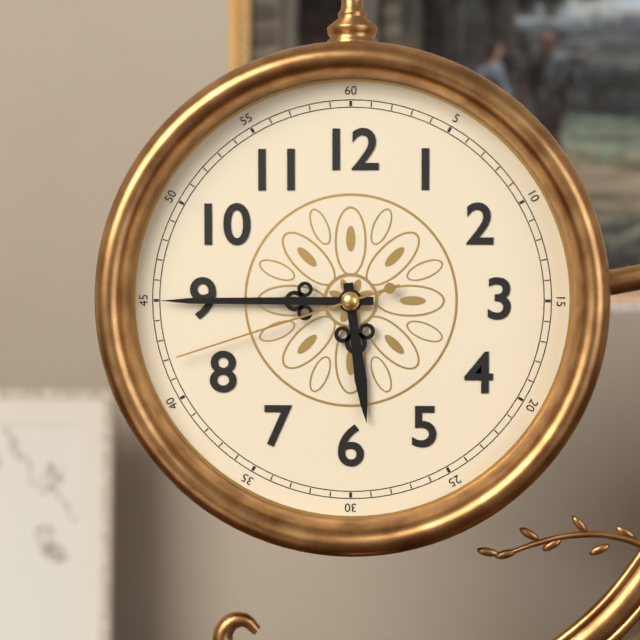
5.45.42
